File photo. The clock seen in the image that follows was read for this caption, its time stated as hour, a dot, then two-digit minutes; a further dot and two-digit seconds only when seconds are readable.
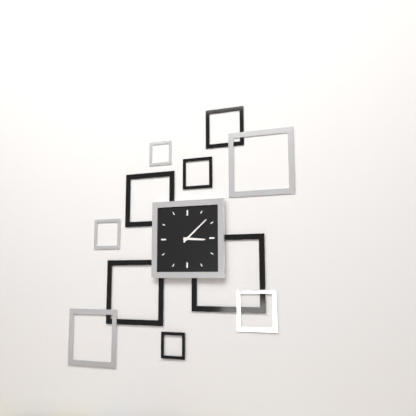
3.08
